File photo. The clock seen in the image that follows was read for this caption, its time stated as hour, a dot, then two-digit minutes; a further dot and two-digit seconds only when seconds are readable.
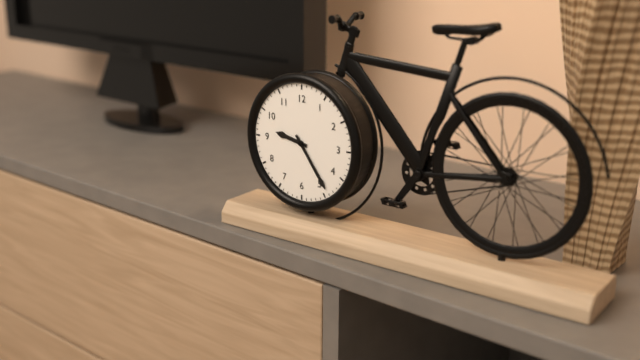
9.24
